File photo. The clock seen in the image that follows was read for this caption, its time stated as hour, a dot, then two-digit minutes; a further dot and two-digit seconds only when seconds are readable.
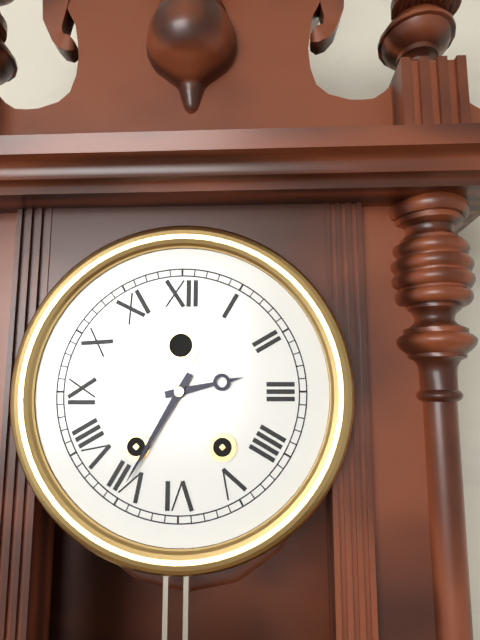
2.35
